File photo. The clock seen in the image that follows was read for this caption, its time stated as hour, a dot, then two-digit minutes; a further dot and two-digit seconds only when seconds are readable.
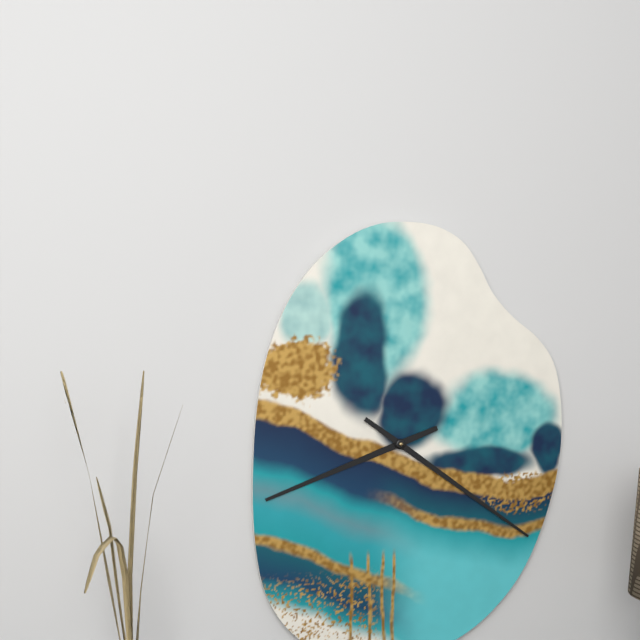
8.21
